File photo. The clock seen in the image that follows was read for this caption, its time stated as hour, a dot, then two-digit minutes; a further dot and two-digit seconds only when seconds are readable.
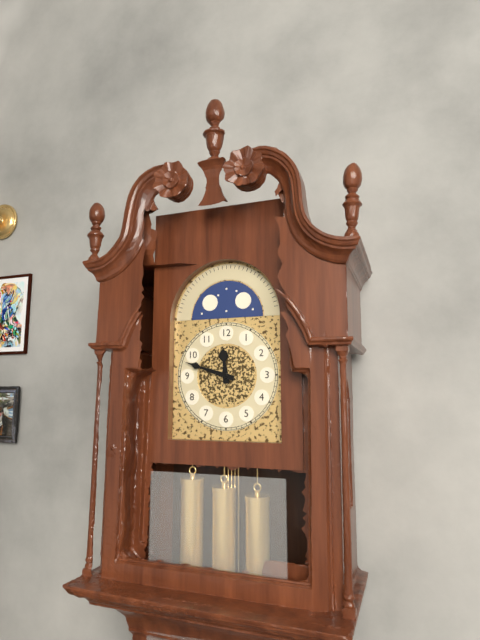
11.48
